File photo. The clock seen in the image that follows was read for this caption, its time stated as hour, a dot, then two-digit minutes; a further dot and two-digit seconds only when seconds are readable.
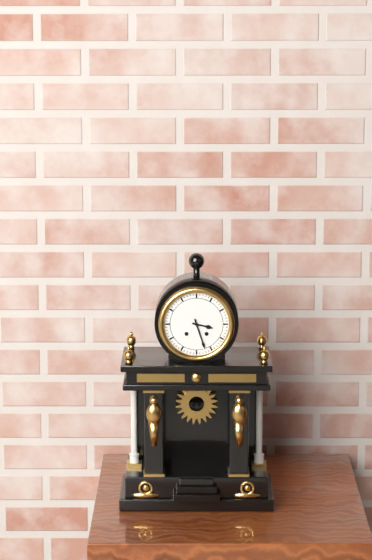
3.27
